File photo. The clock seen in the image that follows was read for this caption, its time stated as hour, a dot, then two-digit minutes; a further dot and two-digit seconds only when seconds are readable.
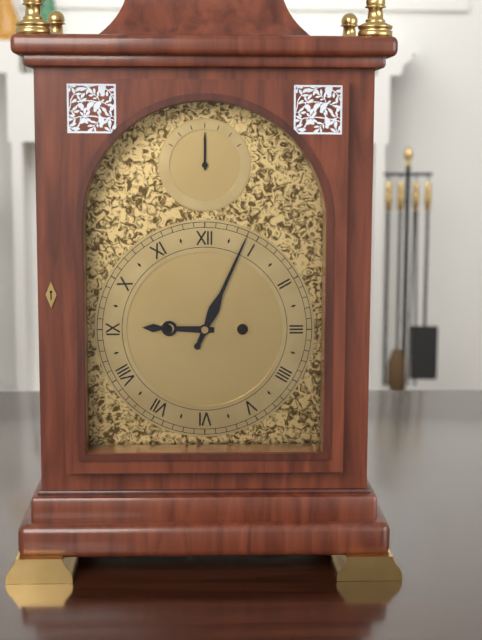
9.04
